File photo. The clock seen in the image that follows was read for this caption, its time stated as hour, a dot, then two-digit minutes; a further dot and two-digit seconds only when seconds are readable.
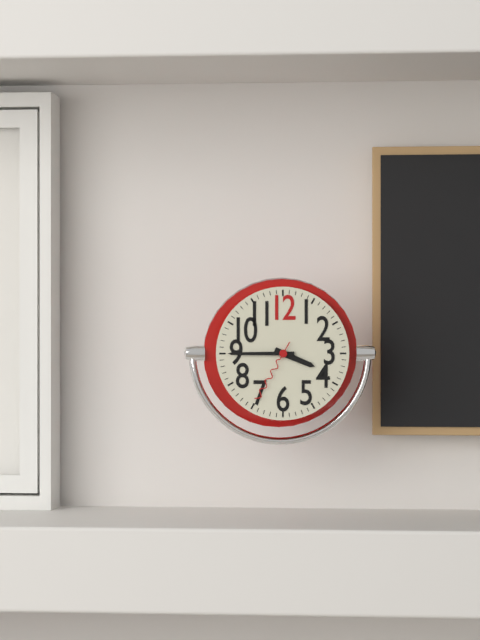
3.45.35
